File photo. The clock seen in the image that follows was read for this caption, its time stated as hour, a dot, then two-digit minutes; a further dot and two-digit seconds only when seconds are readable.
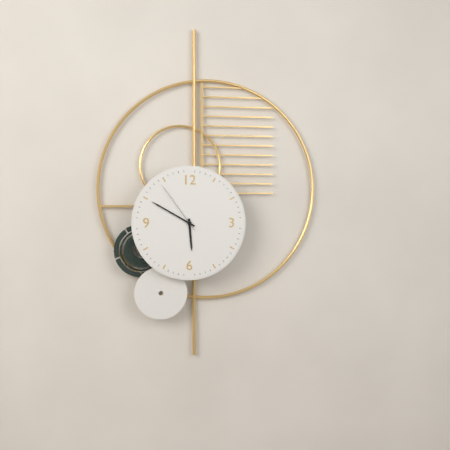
5.50.54
